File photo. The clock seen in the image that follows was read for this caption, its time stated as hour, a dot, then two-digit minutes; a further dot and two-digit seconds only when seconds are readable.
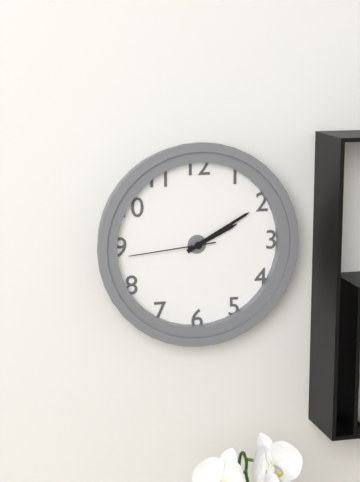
2.10.44
